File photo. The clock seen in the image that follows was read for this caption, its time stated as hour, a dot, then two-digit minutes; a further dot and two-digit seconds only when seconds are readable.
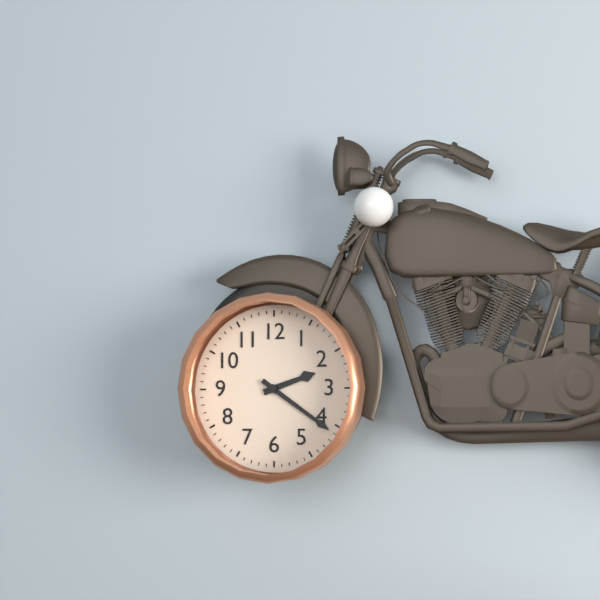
2.21
